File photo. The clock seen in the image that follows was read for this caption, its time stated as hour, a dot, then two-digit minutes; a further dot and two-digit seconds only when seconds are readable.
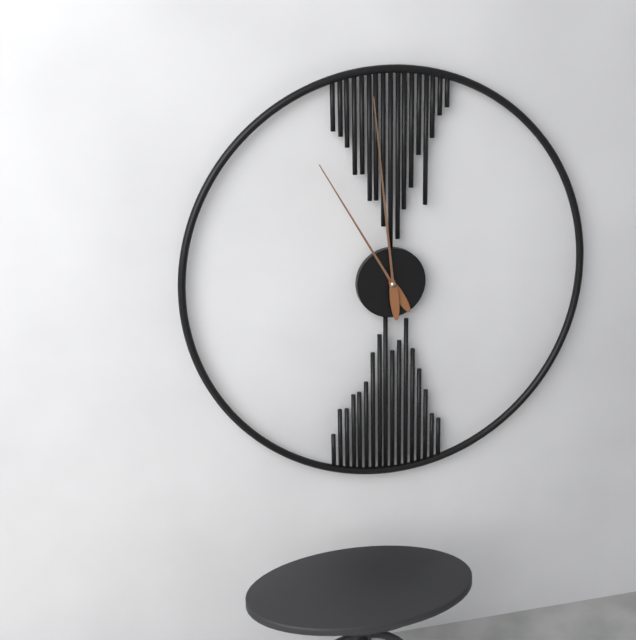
10.59
